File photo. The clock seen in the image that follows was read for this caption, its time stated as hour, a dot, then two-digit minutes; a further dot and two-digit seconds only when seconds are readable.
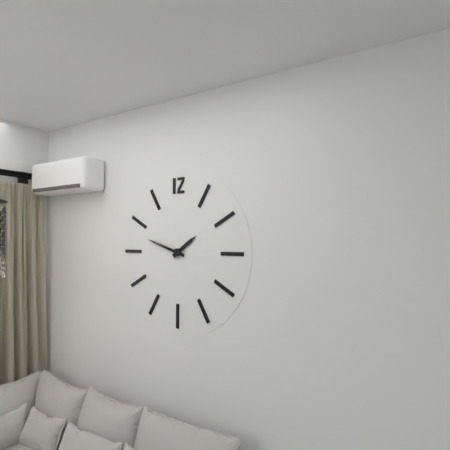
1.48
